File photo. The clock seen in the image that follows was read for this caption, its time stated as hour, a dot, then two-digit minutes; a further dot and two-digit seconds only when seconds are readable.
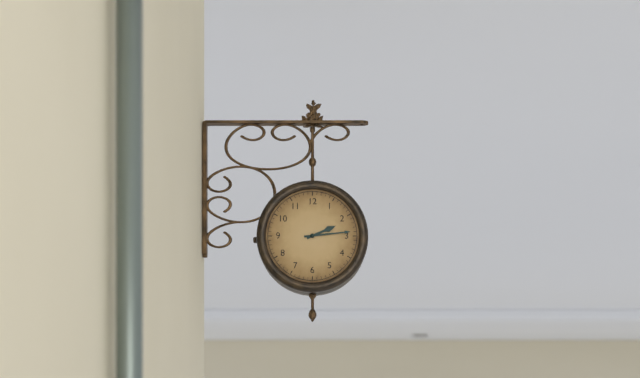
2.14
